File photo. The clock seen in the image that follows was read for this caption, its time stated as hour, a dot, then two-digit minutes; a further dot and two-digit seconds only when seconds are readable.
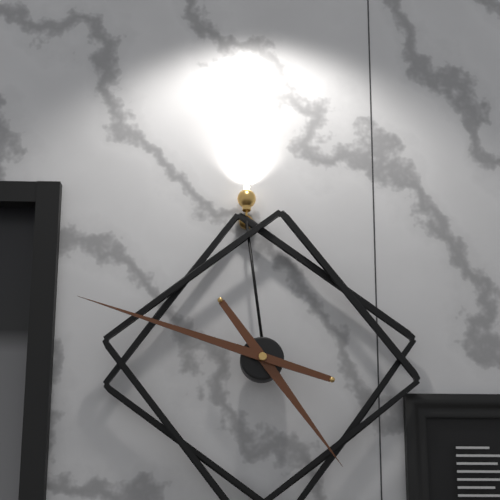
4.48
